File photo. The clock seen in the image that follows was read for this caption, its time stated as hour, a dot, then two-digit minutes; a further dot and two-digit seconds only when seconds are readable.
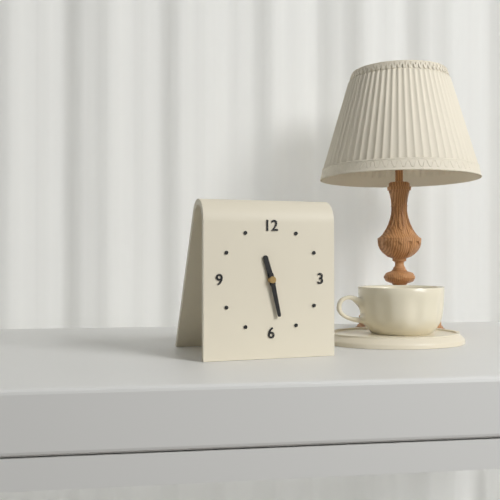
11.28
